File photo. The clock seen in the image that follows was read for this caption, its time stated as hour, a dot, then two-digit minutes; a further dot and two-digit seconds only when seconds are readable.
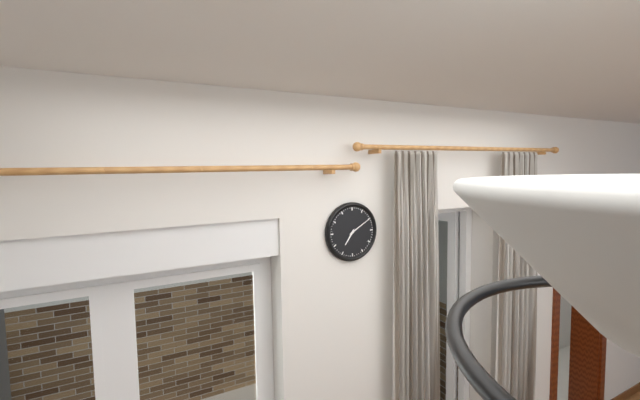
7.10
